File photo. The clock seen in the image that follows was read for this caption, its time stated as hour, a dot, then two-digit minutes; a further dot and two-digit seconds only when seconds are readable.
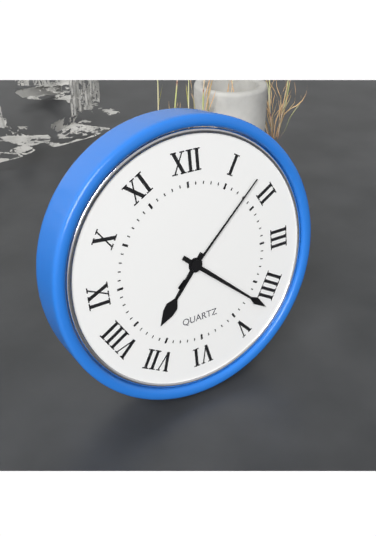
7.22.08
